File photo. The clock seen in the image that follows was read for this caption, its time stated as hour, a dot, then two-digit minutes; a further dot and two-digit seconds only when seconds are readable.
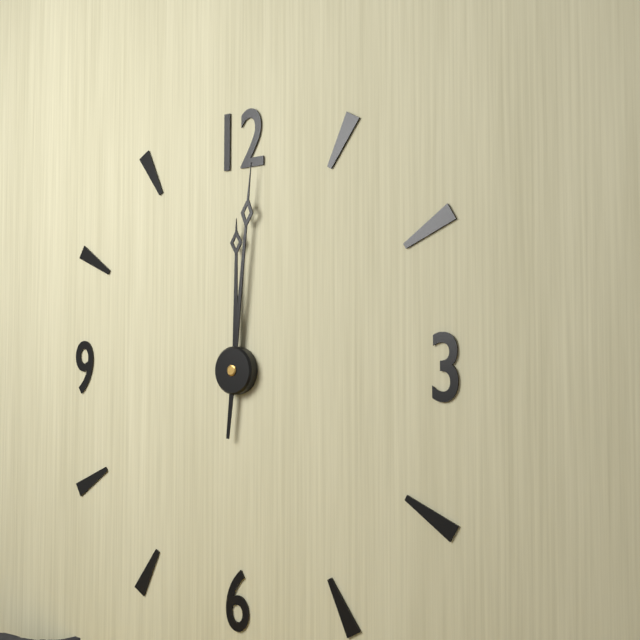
12.01
